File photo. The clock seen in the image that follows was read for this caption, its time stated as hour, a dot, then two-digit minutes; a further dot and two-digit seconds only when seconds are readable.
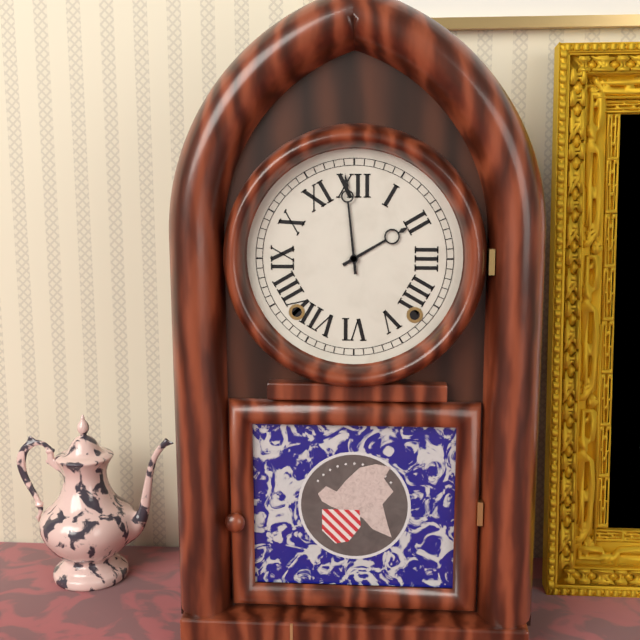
1.59
